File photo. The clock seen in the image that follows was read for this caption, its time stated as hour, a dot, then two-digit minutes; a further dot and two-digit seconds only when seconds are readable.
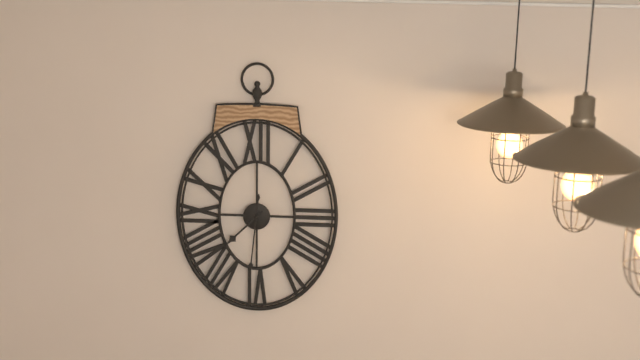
7.31
